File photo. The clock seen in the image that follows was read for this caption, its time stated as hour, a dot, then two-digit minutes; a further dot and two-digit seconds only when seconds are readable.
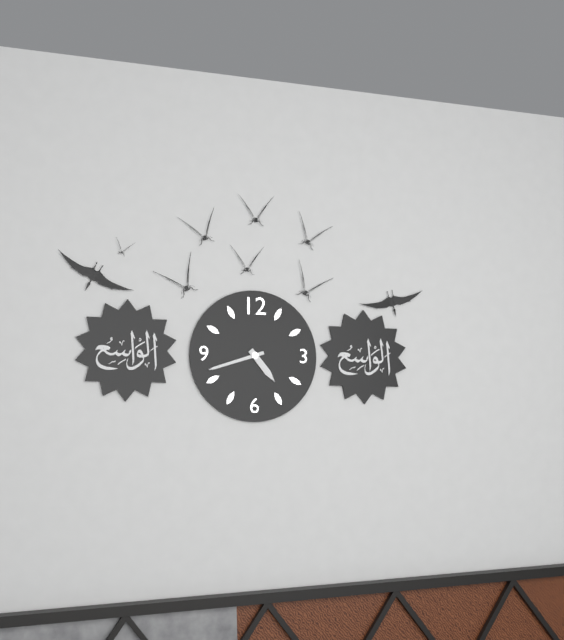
4.42
